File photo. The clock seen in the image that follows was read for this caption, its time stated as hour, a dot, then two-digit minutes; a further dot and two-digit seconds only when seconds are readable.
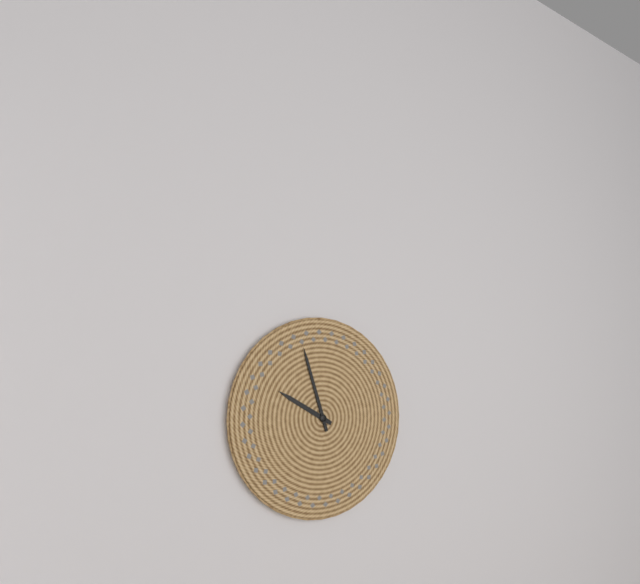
9.57
